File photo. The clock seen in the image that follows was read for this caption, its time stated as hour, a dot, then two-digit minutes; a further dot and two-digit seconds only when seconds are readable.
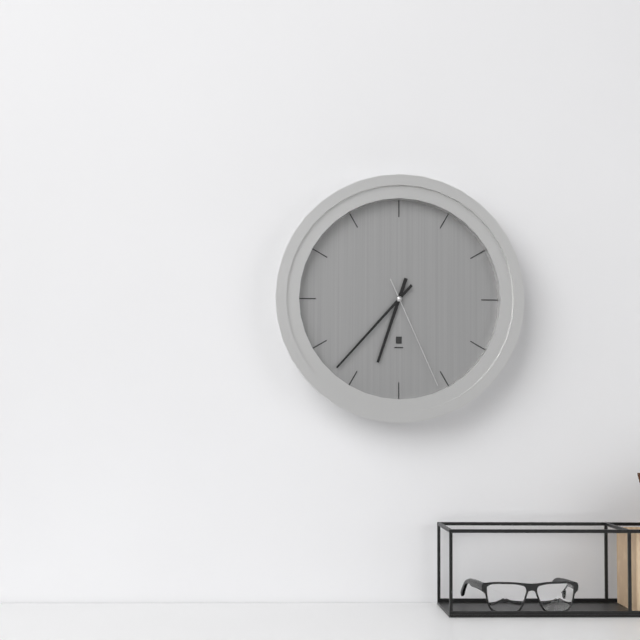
6.37.26
